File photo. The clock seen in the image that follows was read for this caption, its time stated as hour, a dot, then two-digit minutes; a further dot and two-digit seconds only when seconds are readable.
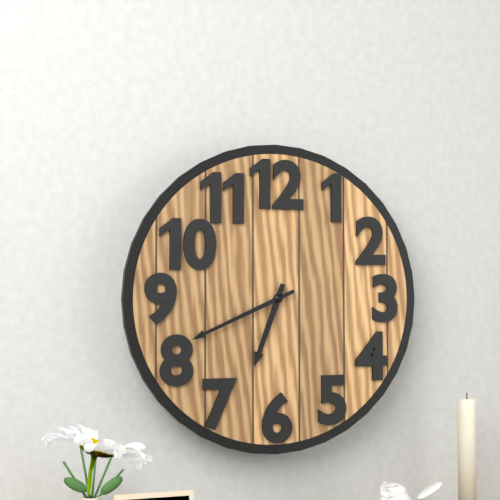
6.41
